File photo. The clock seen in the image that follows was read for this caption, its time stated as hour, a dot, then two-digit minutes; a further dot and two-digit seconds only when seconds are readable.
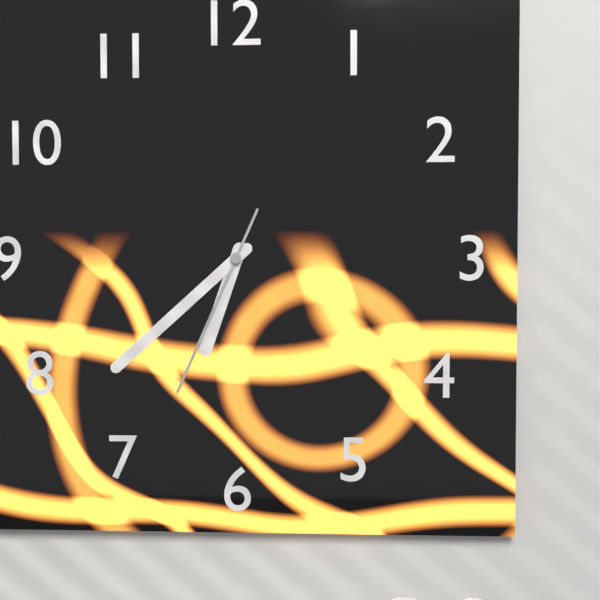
6.38.34
